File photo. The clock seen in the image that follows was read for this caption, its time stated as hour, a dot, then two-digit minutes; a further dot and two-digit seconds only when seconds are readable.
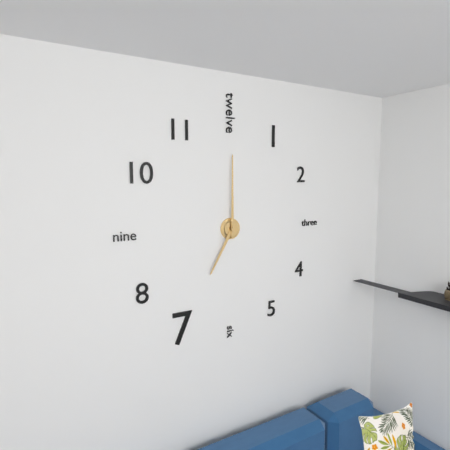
7.00
